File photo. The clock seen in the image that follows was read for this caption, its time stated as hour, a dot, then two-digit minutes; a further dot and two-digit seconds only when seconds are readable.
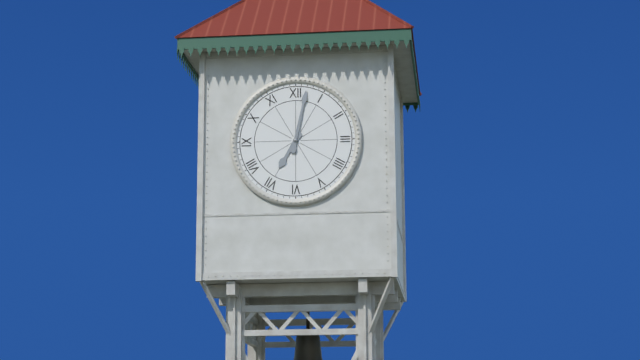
7.02
